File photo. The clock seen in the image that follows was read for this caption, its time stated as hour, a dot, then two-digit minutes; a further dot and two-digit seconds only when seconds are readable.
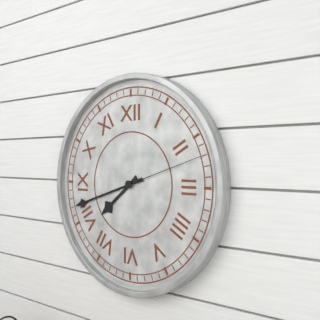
7.42.12
